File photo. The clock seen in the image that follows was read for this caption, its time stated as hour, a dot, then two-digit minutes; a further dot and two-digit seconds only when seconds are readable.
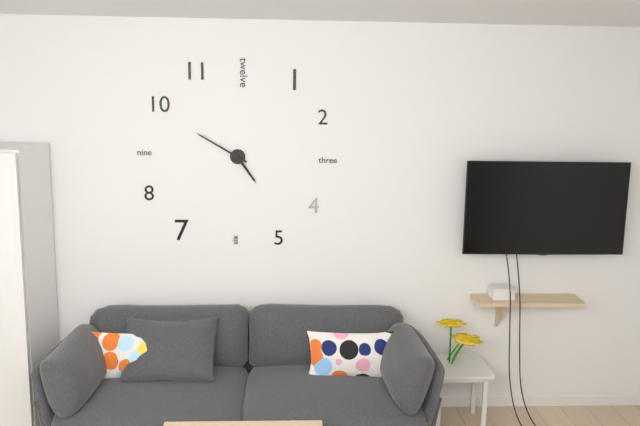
4.50
